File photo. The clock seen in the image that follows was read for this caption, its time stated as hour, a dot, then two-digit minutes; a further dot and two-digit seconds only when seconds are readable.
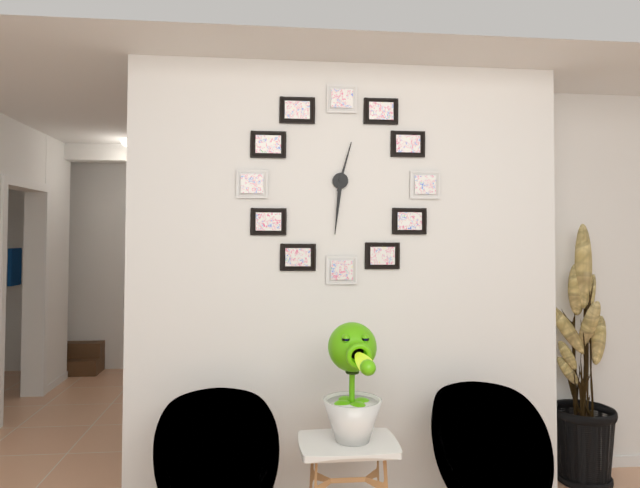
12.31
